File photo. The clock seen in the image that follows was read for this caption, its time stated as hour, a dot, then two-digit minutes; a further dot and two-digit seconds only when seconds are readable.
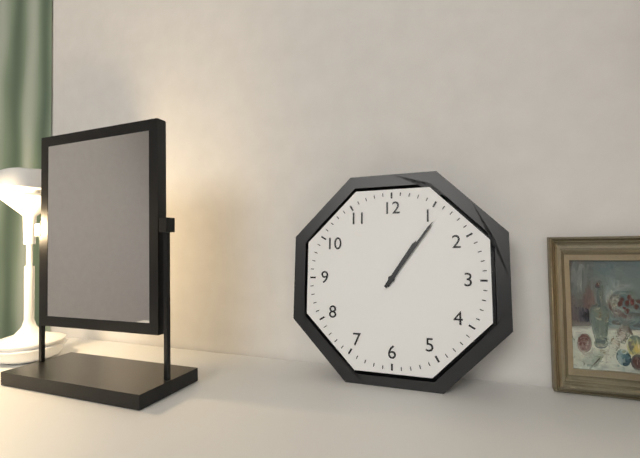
1.06
